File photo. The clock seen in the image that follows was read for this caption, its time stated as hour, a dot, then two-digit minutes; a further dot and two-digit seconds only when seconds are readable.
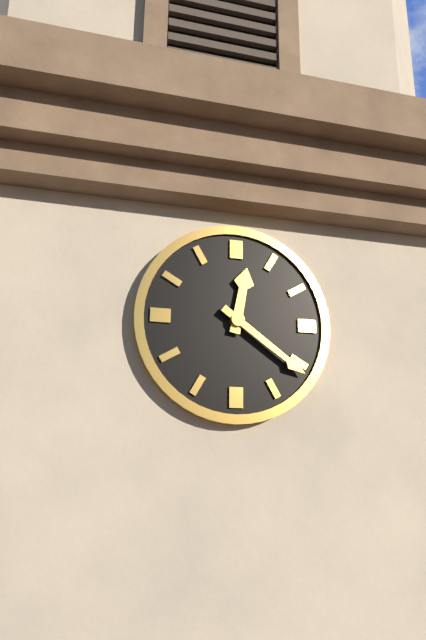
12.21
